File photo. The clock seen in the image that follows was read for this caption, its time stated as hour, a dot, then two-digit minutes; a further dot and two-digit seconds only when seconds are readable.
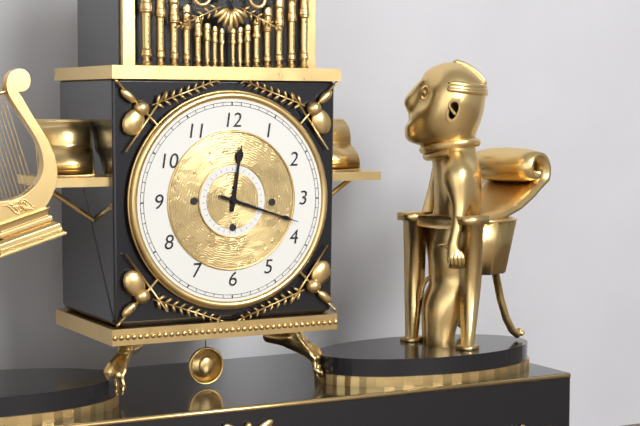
12.18
